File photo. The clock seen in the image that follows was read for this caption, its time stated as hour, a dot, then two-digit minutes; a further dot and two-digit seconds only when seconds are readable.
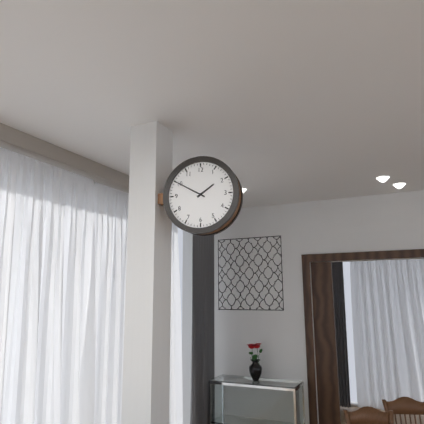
1.50
